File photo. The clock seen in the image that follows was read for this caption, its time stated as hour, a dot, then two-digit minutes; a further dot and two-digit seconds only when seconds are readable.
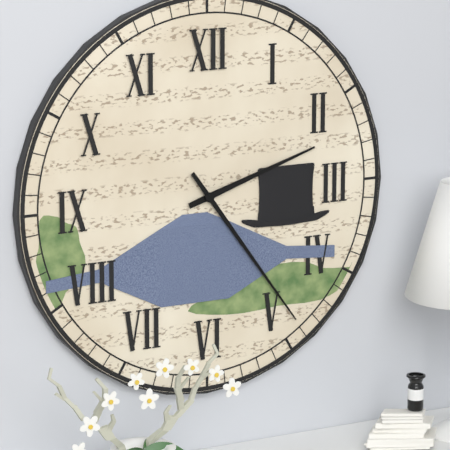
2.24
